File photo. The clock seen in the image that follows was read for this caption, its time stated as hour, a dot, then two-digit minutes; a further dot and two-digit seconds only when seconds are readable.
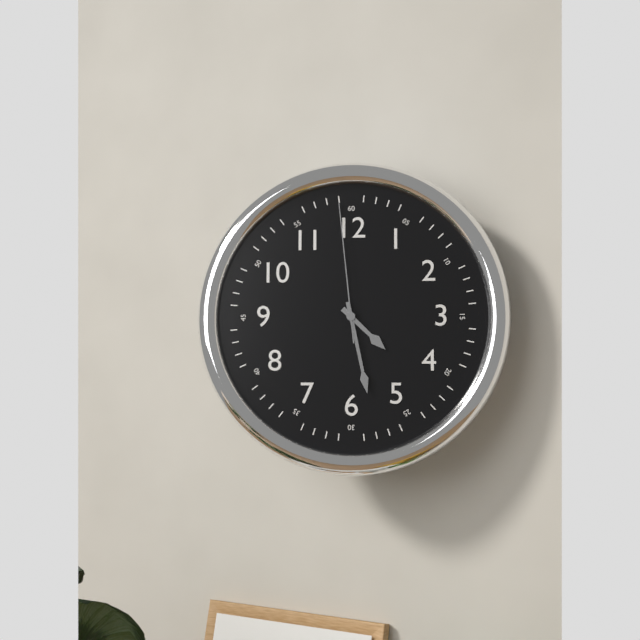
4.28.59
